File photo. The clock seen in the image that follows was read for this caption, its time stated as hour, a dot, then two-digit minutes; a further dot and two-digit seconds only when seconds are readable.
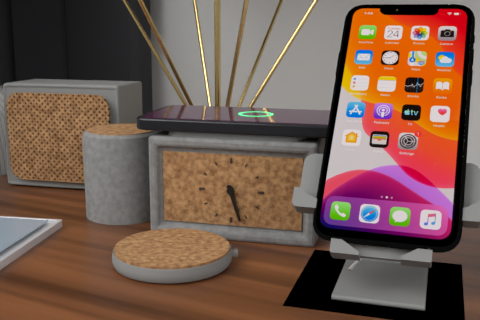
5.27
